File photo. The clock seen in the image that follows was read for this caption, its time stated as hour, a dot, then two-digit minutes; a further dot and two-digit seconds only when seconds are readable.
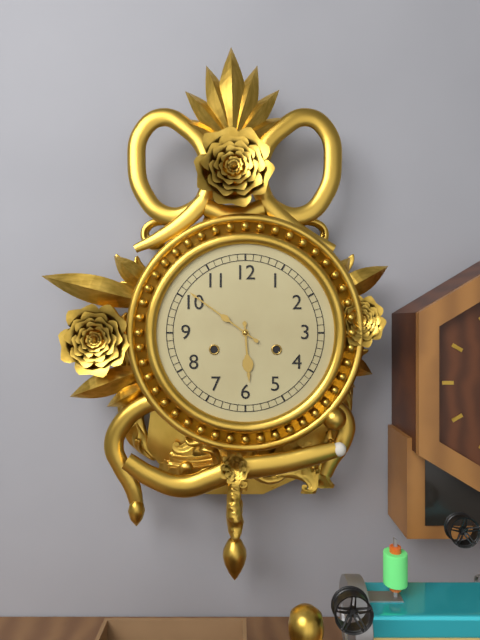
5.51
